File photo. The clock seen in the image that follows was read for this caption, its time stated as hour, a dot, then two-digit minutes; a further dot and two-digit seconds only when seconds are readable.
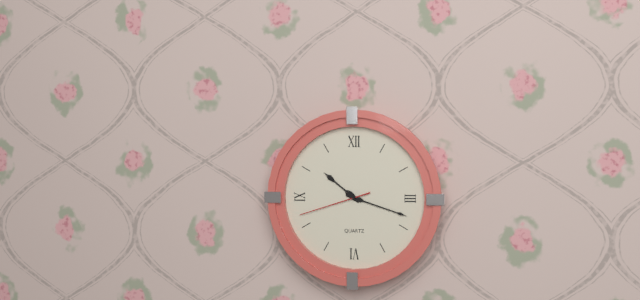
10.18.42
